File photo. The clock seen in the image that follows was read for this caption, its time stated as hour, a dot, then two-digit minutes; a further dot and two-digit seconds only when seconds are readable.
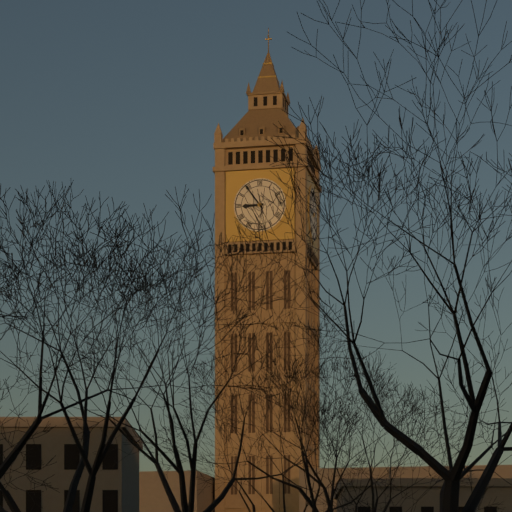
8.54
